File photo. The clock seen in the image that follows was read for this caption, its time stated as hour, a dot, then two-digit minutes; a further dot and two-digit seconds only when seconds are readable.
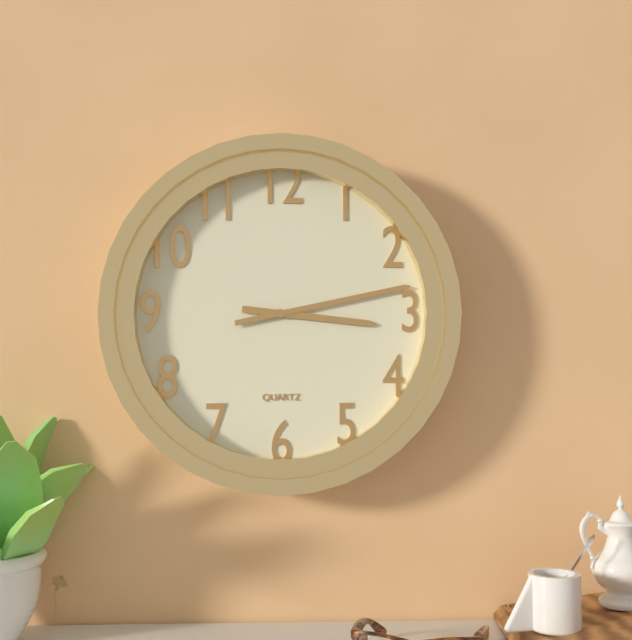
3.13
